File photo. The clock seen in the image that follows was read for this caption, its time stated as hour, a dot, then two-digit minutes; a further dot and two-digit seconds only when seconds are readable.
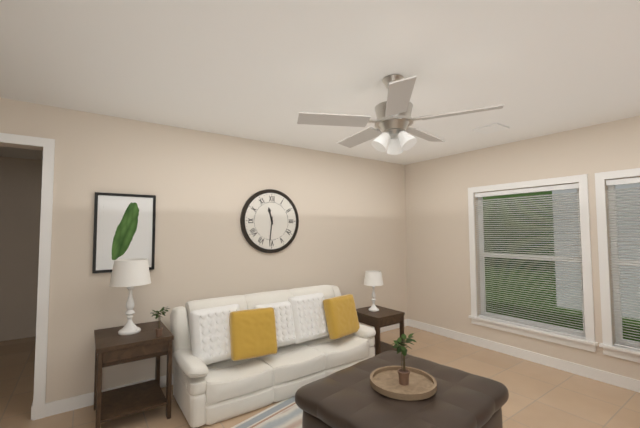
11.31
